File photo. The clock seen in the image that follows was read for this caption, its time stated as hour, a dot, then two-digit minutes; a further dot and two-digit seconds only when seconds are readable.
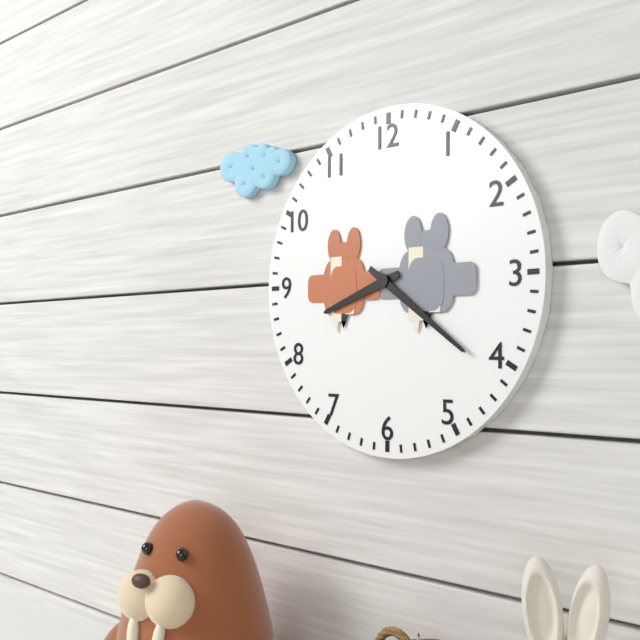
8.21
